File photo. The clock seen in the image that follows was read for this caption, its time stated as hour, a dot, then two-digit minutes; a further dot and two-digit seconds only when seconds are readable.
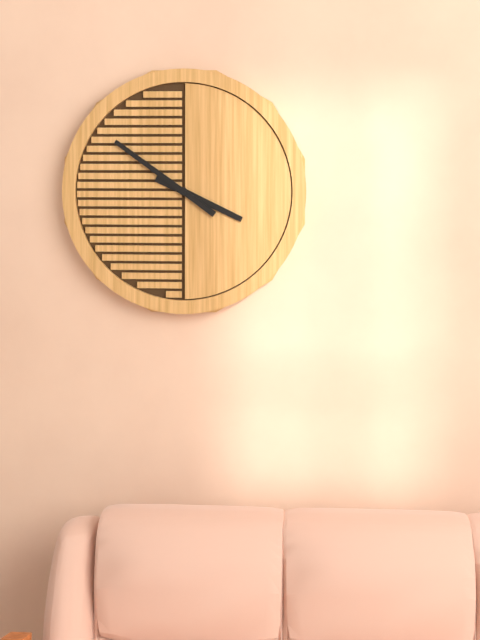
3.51
